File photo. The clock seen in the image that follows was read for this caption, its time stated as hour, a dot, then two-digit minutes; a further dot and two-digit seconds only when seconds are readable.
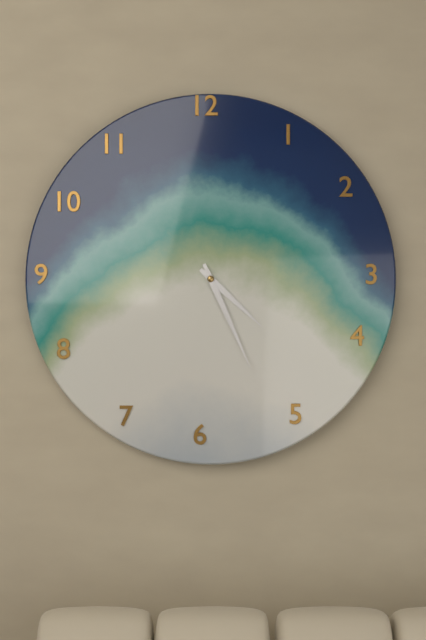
4.26
